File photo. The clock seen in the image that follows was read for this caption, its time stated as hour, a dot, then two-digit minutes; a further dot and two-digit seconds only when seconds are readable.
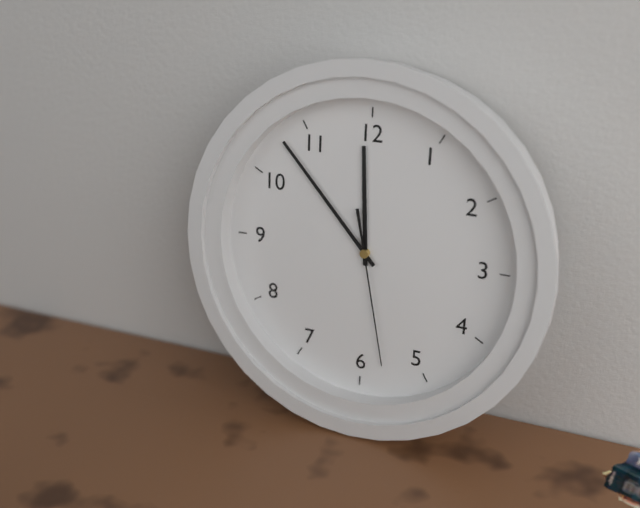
11.53.28
